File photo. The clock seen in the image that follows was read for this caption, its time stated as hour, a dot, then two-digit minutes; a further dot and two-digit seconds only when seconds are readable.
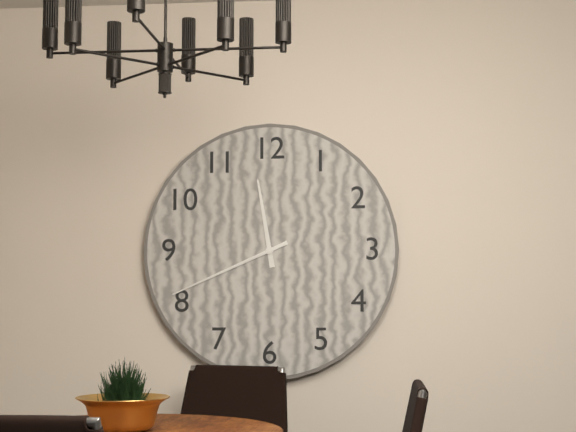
11.41
